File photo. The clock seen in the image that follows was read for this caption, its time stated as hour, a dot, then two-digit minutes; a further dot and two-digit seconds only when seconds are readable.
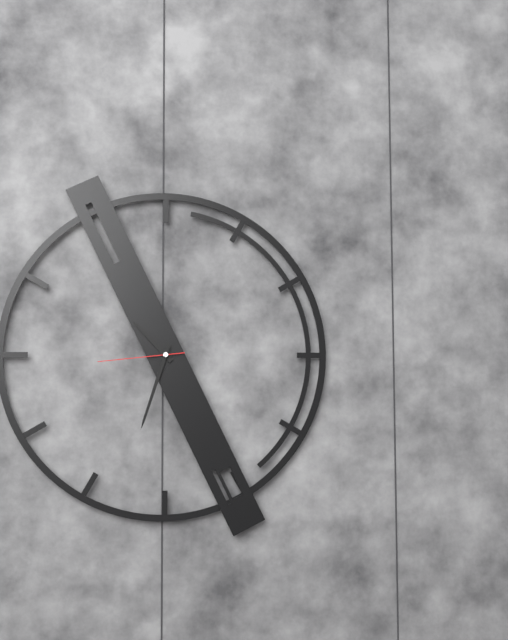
10.33.44
